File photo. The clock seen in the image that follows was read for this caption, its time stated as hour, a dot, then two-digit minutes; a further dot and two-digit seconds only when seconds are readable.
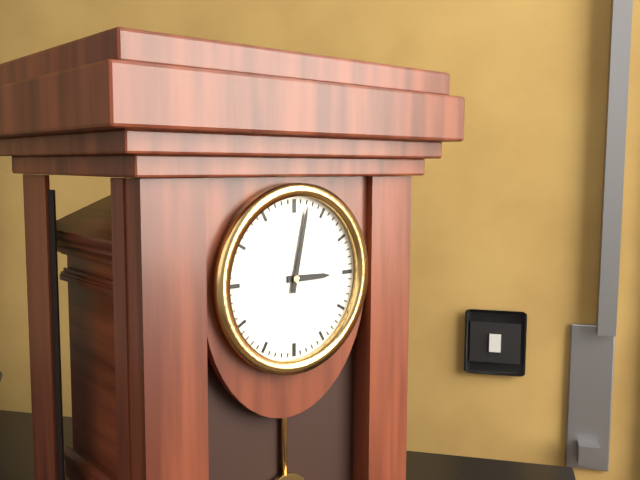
3.02
